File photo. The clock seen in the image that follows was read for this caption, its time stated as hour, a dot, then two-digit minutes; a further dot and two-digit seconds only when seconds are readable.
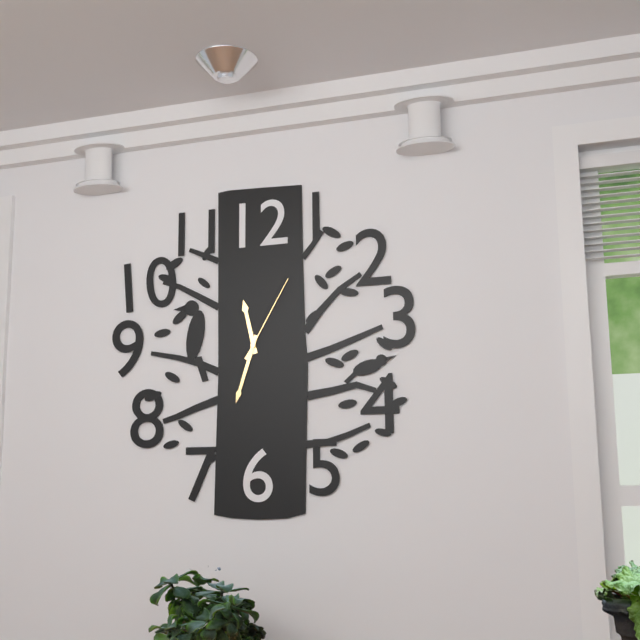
11.33.05
